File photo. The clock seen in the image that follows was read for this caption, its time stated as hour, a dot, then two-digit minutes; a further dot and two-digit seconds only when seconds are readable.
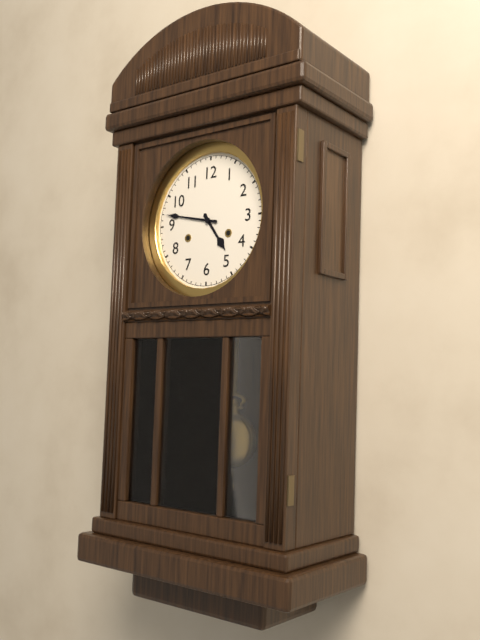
4.47
